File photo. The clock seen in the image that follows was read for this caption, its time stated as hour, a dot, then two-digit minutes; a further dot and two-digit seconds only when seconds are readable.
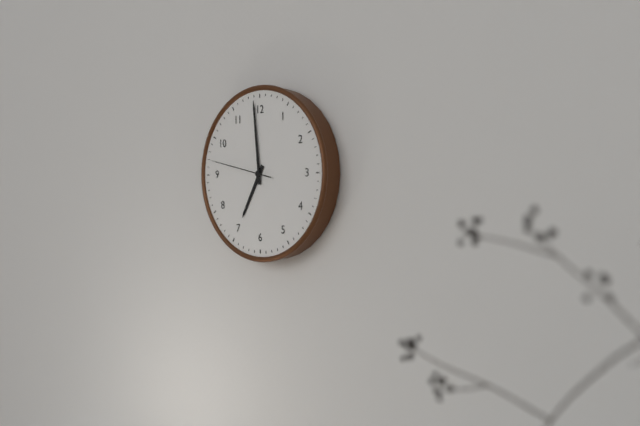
6.59.47
